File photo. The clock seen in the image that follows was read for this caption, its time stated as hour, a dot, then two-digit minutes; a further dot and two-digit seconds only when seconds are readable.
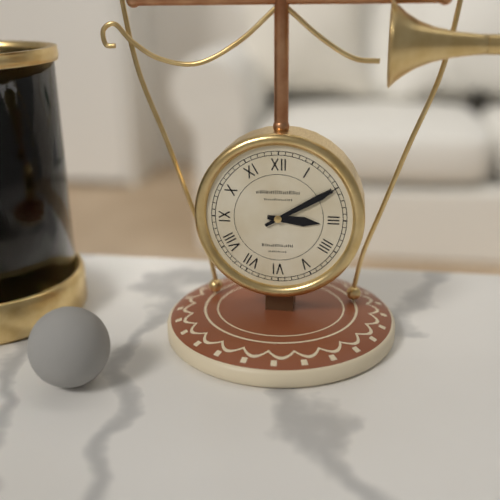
3.10
